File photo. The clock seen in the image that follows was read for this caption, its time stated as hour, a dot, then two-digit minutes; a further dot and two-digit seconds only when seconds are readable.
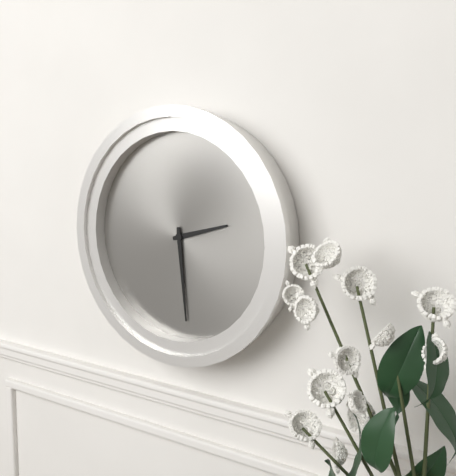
2.29
